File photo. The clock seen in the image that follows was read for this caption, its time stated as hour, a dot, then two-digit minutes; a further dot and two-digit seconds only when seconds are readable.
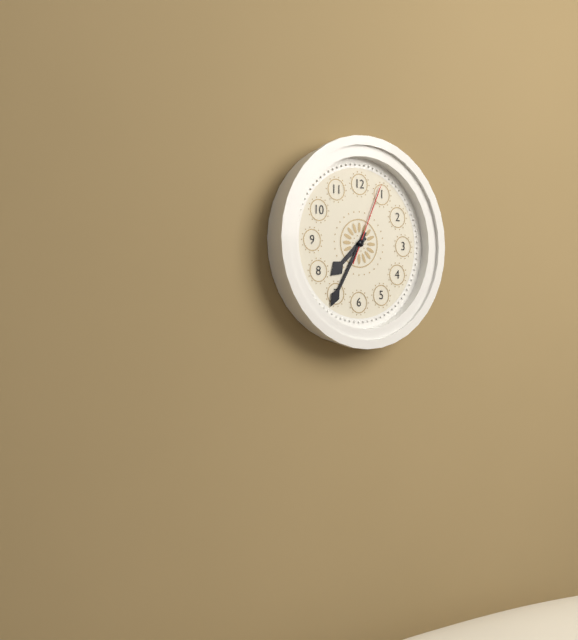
7.35.04
